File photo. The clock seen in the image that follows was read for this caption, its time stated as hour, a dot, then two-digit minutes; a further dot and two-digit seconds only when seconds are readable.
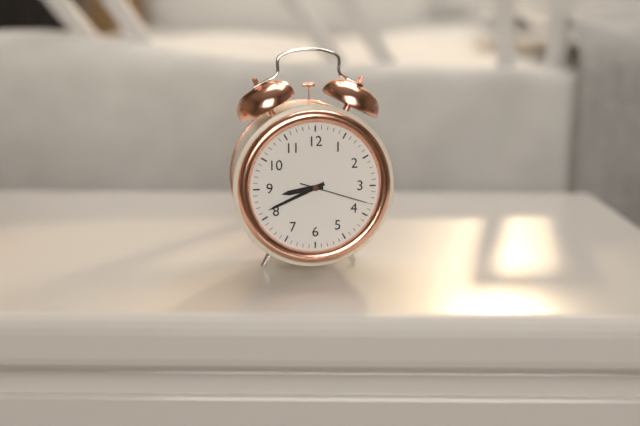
8.41.18
